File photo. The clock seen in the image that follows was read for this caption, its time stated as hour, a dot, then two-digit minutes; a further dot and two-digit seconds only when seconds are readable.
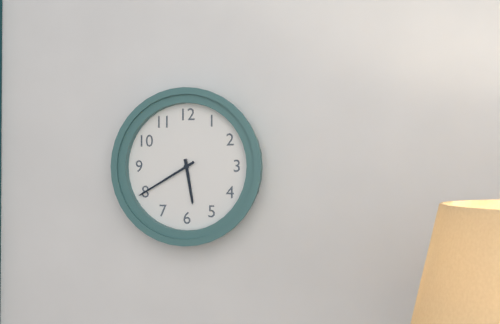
5.40
